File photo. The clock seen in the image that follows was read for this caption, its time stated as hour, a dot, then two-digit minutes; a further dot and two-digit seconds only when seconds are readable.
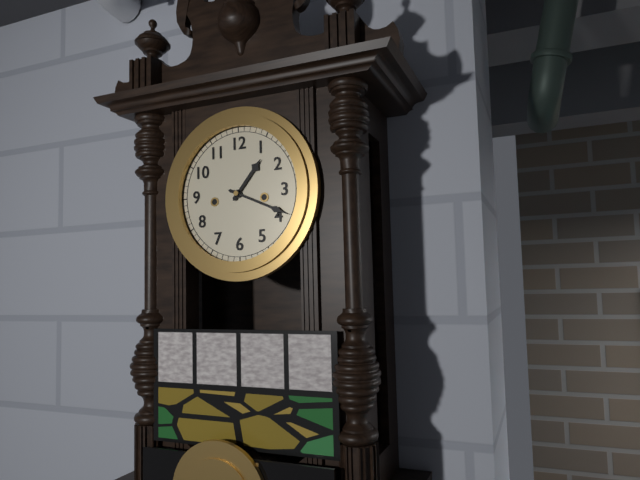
1.19
